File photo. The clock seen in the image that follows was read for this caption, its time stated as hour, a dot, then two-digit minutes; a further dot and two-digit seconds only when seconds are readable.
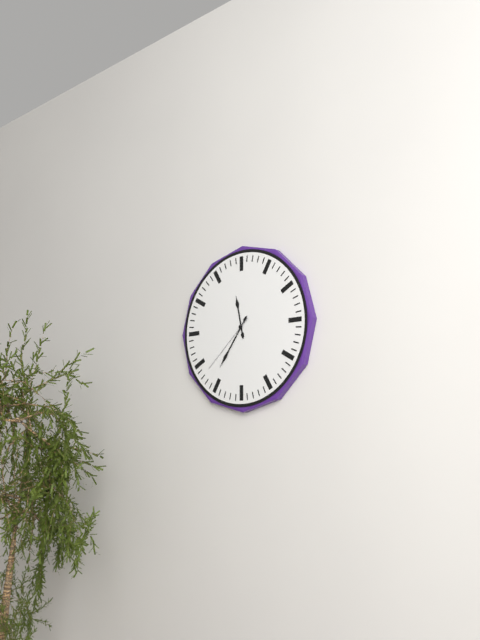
11.36.38
